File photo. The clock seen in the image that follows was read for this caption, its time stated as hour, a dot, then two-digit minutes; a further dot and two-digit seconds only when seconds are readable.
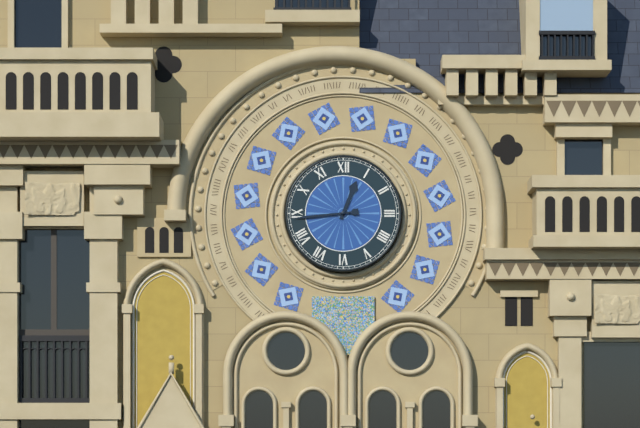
12.44
